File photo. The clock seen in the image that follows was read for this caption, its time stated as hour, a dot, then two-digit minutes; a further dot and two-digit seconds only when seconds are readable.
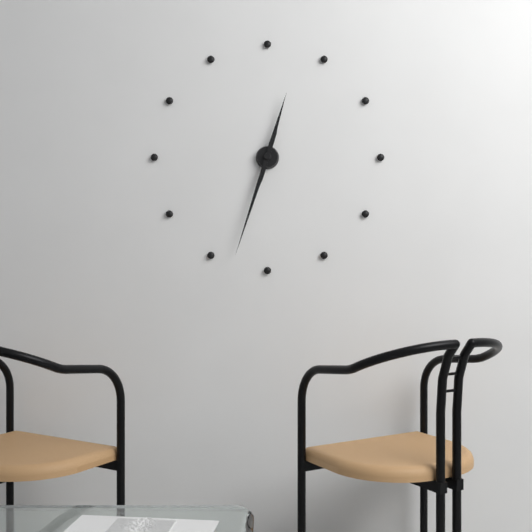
12.33
